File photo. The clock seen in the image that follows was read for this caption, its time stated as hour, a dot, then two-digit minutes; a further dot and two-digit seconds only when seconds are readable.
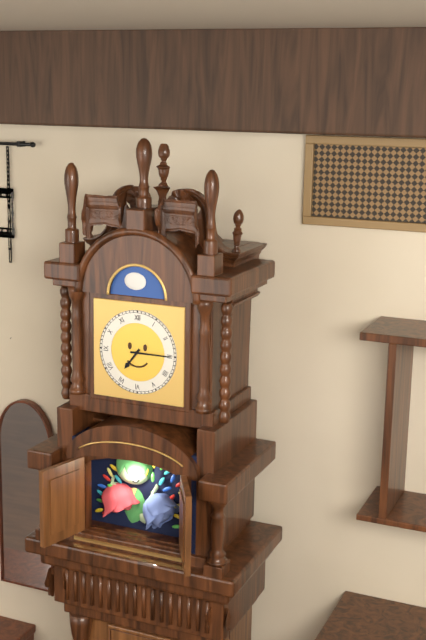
7.15
